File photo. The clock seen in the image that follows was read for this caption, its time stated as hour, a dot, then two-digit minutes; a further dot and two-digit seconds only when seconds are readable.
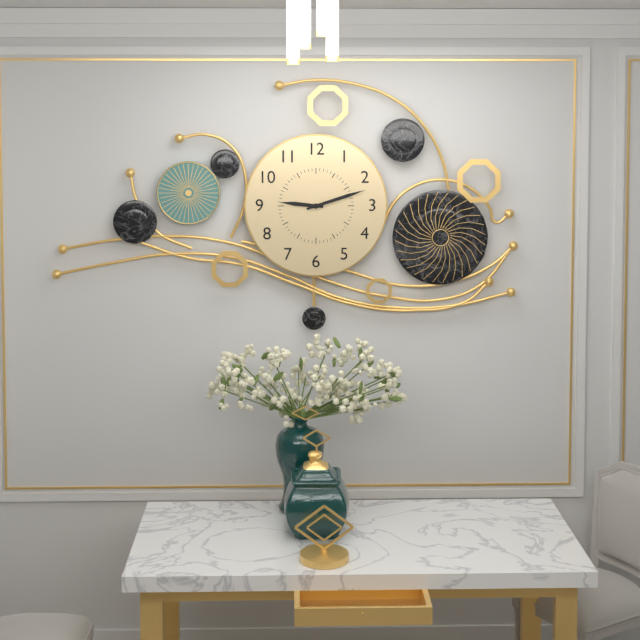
9.12
